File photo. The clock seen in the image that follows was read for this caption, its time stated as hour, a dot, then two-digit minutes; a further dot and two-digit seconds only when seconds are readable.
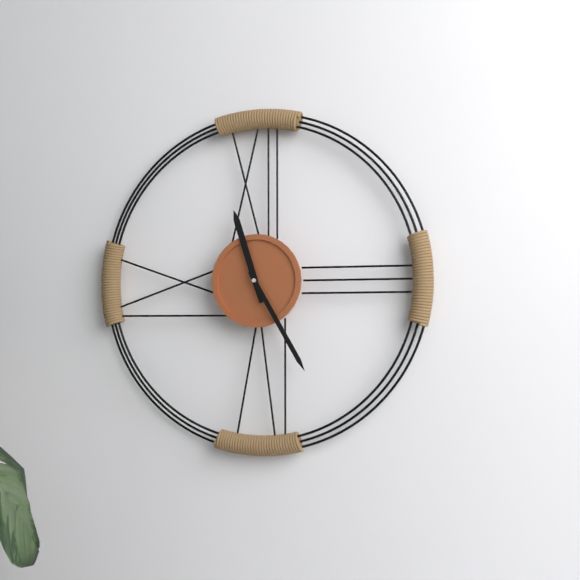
11.25
